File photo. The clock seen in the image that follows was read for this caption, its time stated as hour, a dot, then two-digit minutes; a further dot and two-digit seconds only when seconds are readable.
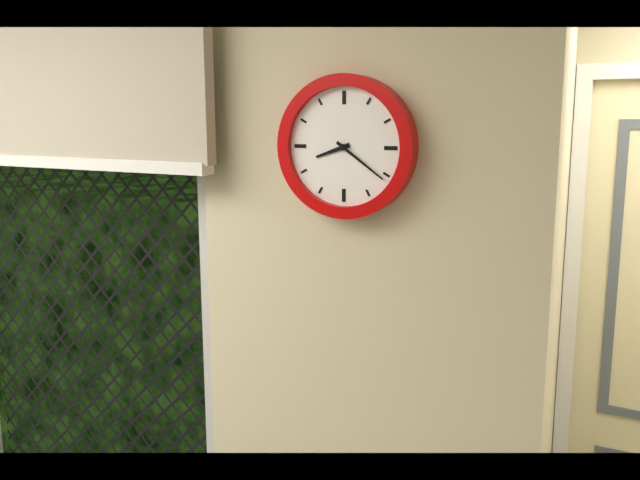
8.21
